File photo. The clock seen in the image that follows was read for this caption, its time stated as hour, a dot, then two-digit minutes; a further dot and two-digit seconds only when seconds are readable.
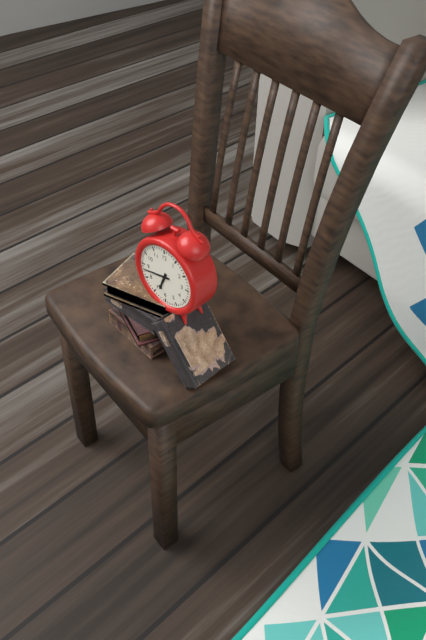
6.43
